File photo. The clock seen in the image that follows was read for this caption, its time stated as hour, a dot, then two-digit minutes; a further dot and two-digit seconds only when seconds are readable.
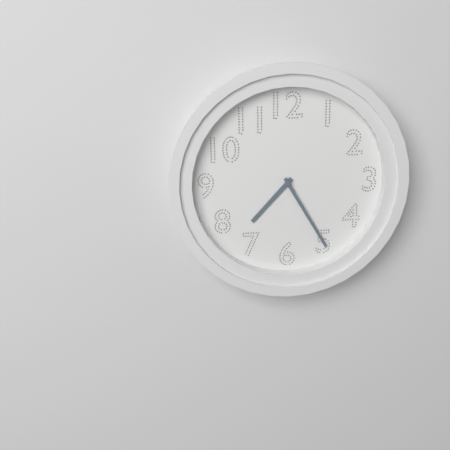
7.25
